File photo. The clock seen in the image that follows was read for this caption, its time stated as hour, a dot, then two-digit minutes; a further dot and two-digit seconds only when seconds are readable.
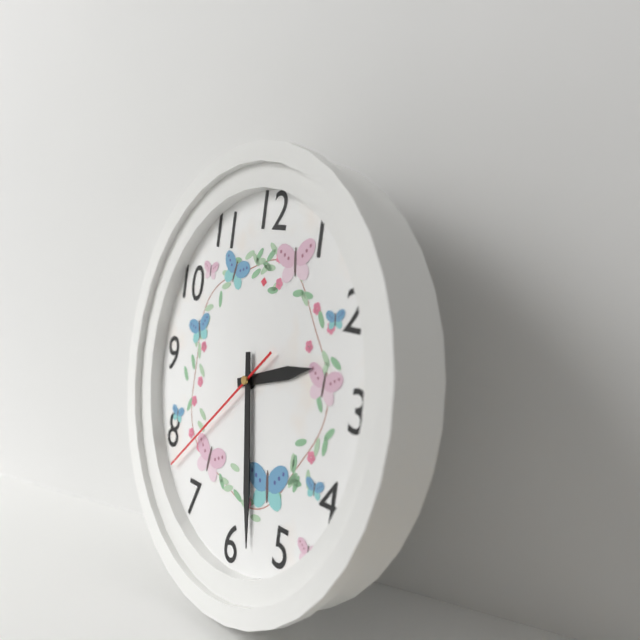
2.28.38
